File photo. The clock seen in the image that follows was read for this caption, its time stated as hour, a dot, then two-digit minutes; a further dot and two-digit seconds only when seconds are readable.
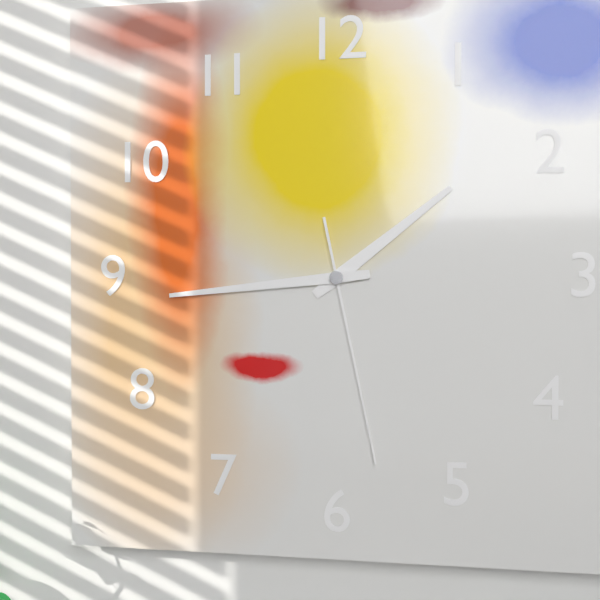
1.44.28
